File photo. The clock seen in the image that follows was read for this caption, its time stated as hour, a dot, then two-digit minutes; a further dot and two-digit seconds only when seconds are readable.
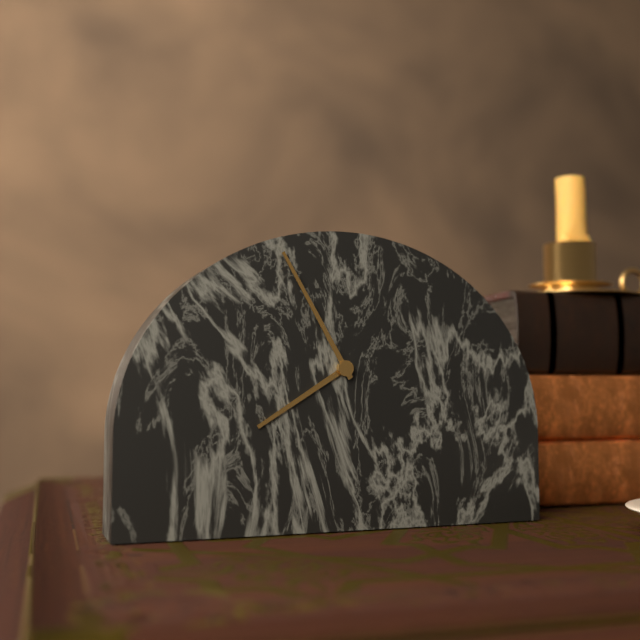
7.55
